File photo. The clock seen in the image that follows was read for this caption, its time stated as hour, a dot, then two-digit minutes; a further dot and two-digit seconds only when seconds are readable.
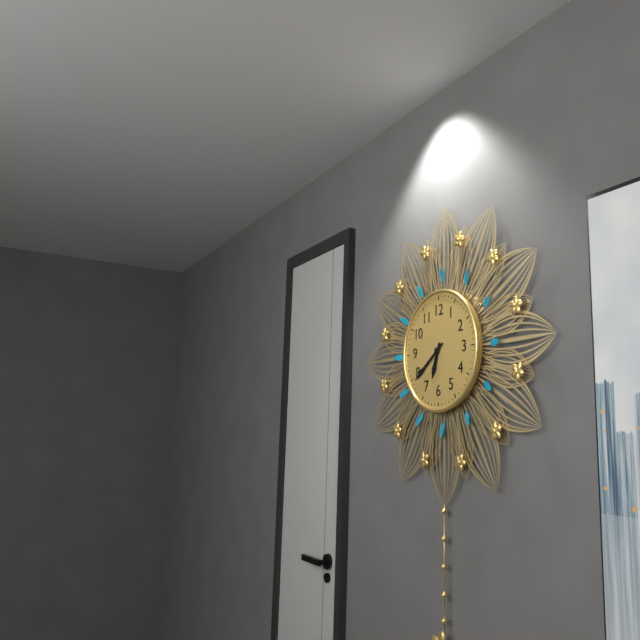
6.39
